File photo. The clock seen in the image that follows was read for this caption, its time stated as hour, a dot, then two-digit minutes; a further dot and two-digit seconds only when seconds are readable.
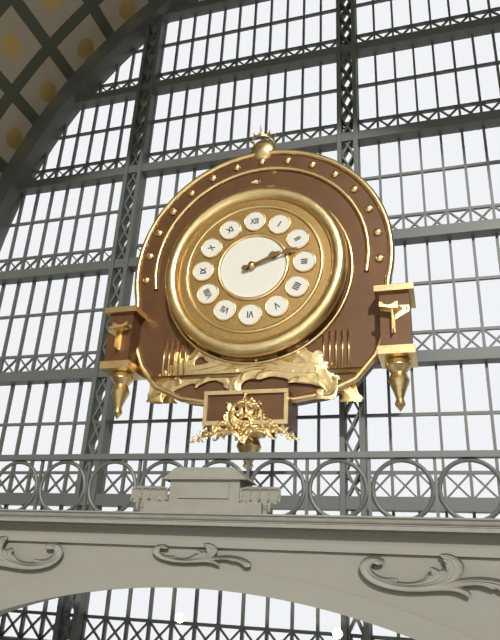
2.12
